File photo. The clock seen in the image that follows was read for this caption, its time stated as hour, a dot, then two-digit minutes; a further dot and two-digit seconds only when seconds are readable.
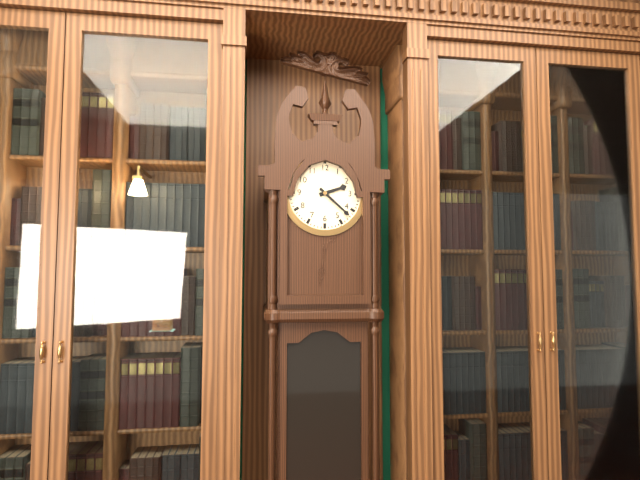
2.22
